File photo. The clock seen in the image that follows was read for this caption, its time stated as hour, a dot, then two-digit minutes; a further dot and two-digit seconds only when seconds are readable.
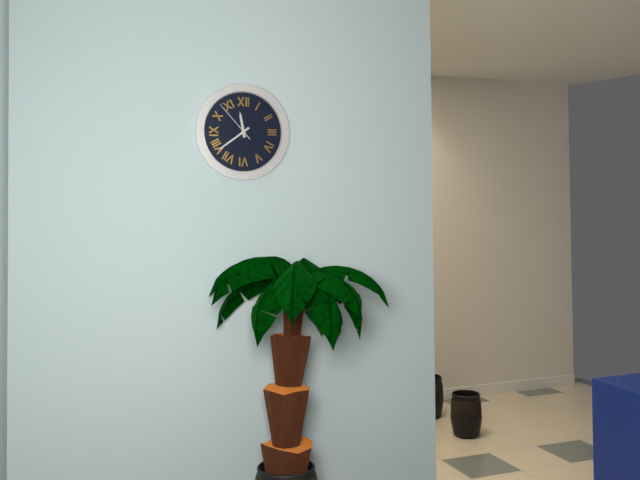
11.39
